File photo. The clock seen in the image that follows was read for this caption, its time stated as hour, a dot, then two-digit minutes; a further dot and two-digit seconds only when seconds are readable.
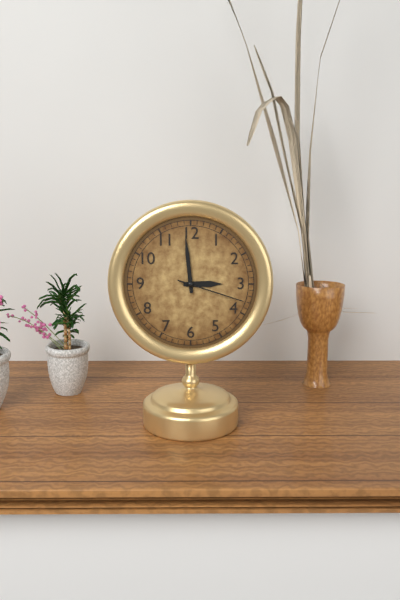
2.59.18
